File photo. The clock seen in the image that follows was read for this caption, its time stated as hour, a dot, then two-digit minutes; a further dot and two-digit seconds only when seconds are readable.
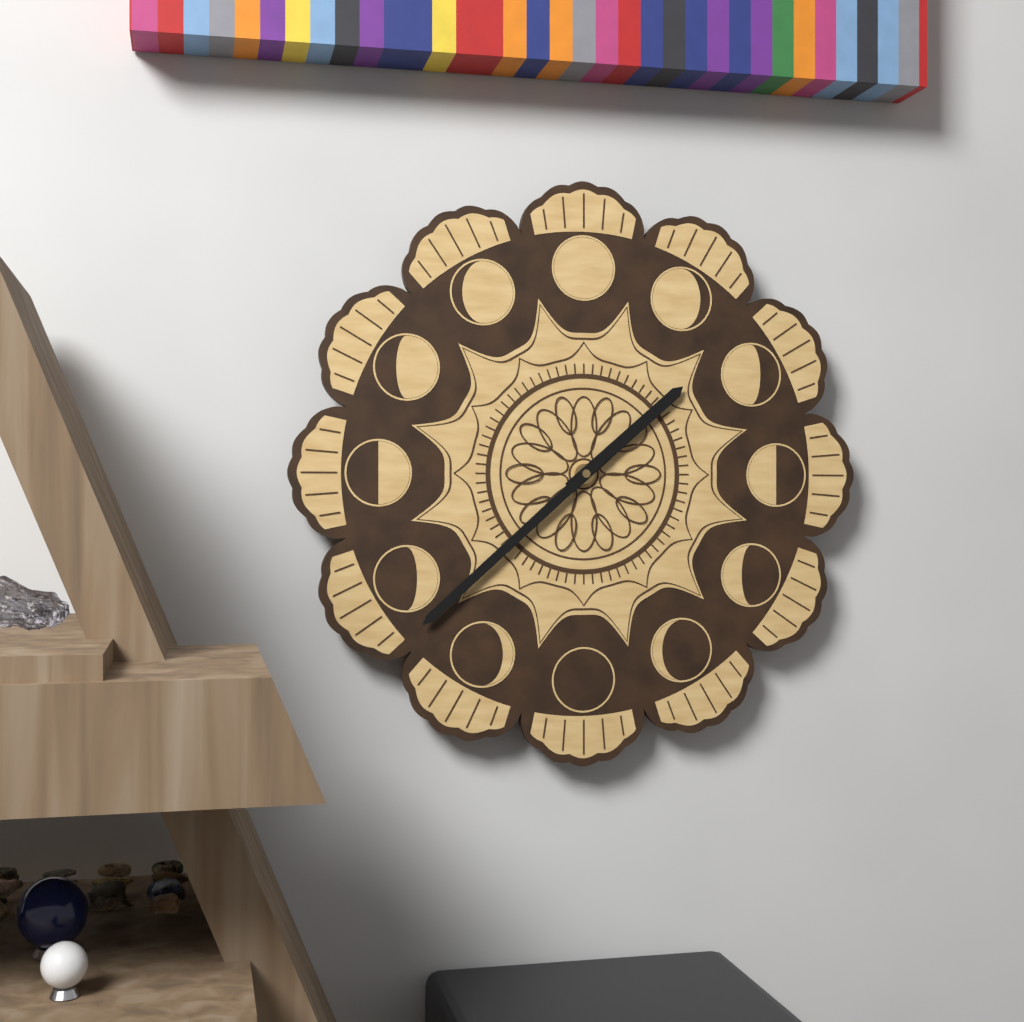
1.38
